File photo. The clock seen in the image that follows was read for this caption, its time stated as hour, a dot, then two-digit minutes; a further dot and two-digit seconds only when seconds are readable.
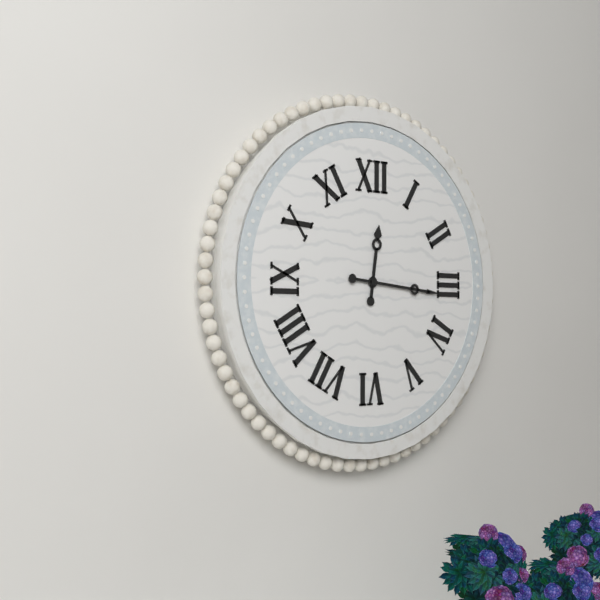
12.16
